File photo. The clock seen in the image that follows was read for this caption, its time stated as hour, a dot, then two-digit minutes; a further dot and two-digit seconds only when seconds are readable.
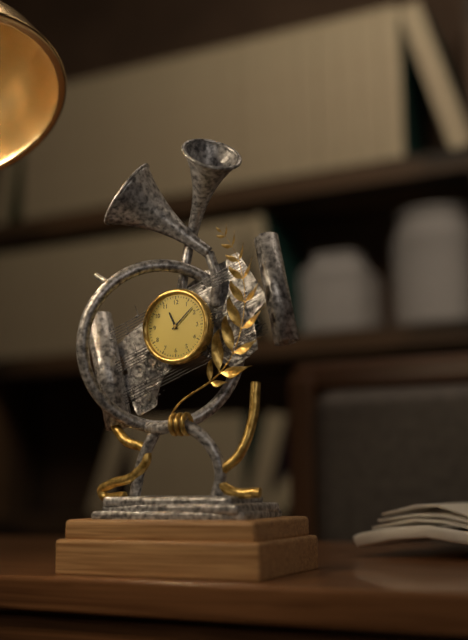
11.08
